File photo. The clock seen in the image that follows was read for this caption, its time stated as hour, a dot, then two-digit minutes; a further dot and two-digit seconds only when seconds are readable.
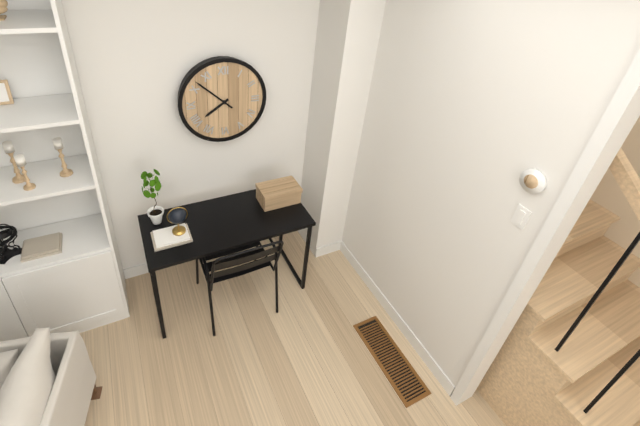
7.52
